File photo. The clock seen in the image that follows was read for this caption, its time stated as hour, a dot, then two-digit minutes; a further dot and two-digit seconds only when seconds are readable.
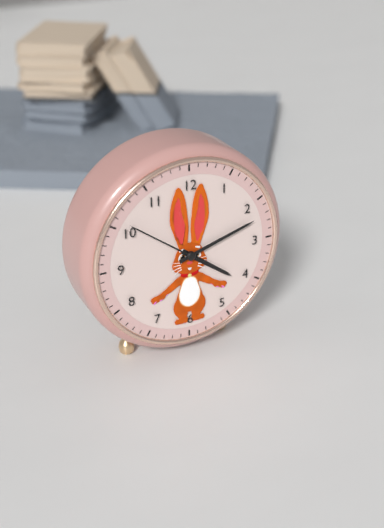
4.12.51
